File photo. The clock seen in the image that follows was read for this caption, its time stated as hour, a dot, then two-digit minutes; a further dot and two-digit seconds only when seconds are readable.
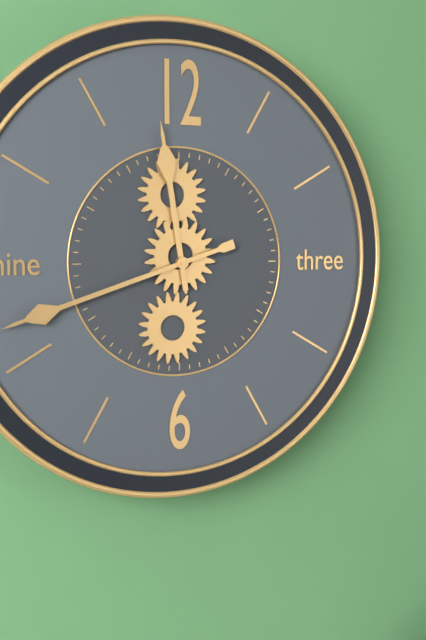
11.42
